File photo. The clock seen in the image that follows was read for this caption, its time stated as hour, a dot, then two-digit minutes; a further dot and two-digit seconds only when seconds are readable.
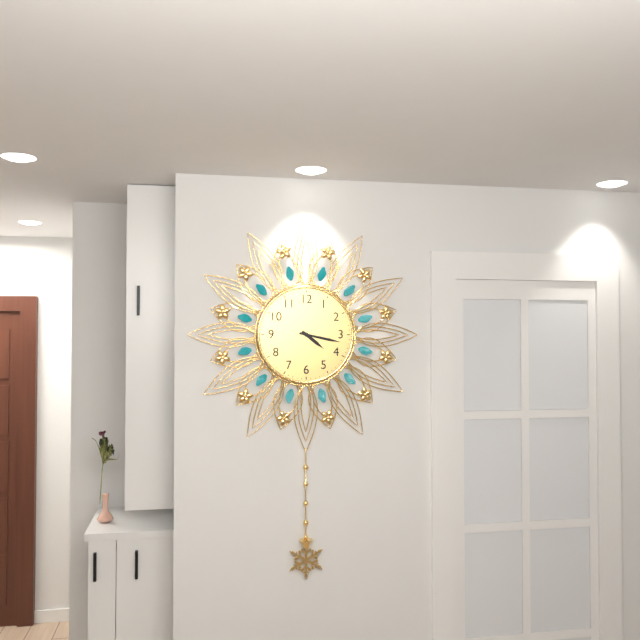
4.17
